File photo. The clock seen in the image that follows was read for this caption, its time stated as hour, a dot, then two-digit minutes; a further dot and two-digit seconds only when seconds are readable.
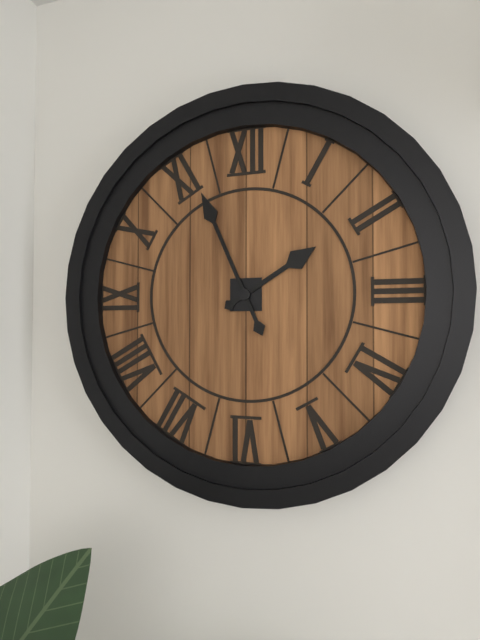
1.56
